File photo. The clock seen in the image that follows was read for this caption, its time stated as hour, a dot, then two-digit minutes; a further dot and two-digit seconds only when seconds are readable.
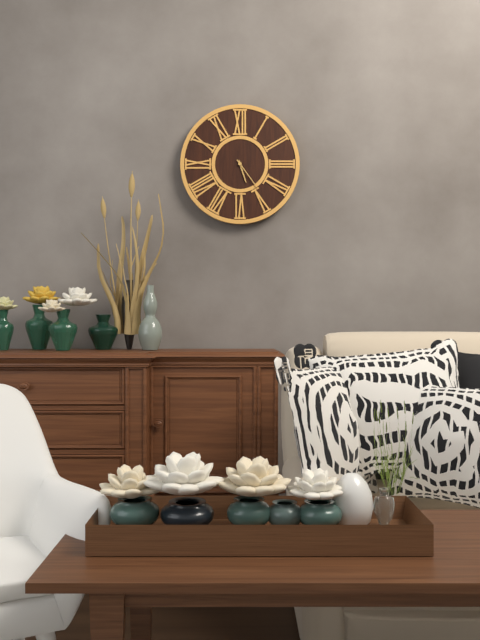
5.24
